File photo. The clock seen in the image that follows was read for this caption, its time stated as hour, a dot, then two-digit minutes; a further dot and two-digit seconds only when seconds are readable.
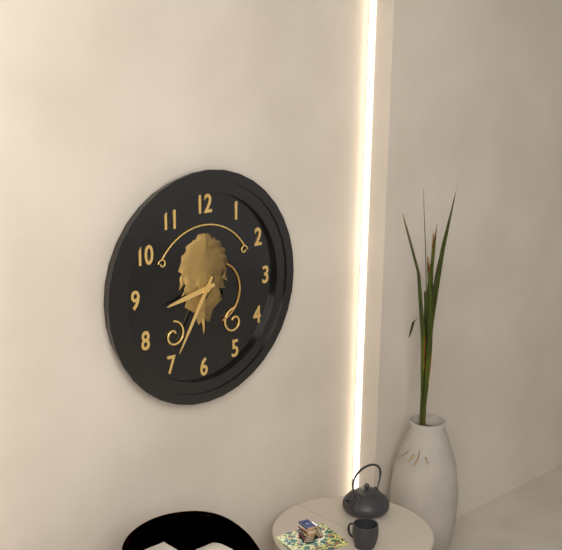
8.35
